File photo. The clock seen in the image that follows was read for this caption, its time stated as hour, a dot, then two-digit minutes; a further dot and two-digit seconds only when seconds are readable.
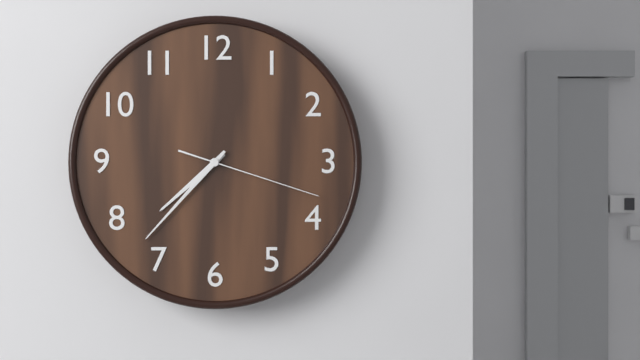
7.37.18
